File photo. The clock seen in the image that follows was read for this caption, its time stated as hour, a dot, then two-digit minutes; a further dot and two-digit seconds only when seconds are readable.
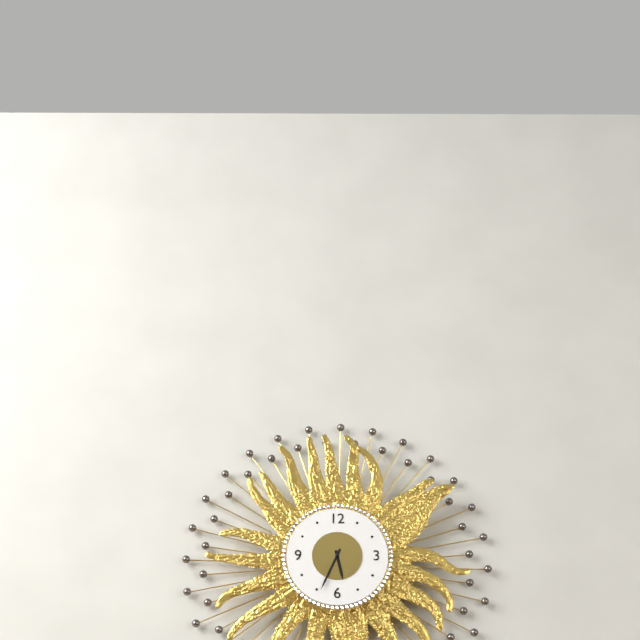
5.34
